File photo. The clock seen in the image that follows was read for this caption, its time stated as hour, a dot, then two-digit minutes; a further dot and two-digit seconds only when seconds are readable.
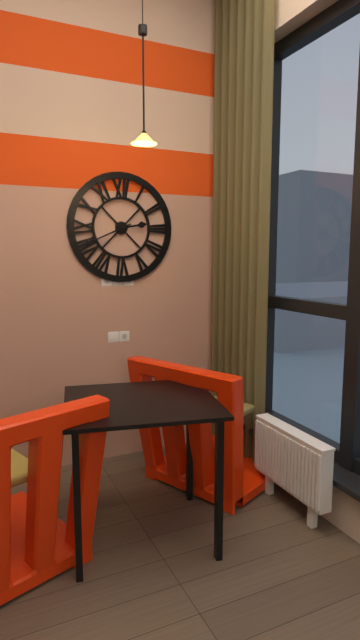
2.41
